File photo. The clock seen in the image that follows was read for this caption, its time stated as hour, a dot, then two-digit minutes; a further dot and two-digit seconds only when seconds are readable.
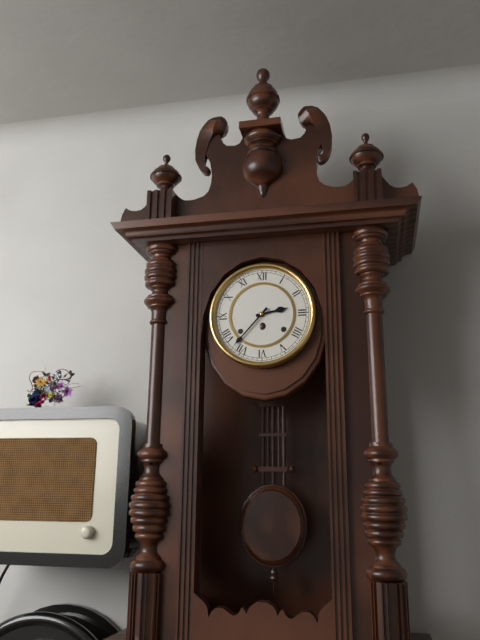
2.37
